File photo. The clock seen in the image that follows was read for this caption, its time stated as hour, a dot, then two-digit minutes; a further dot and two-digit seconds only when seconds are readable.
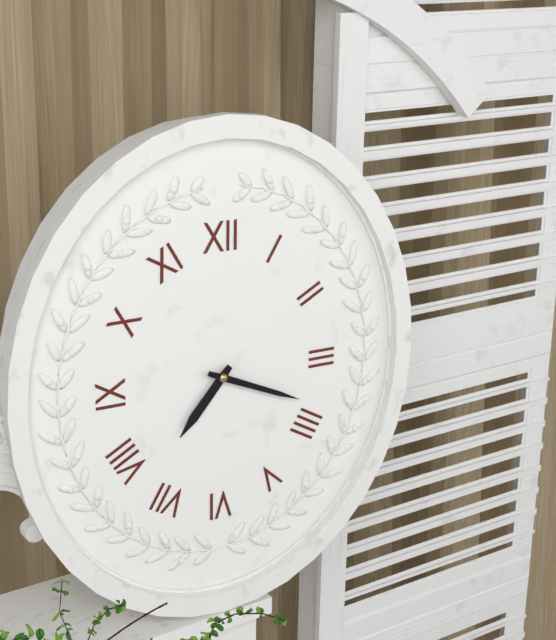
7.19
